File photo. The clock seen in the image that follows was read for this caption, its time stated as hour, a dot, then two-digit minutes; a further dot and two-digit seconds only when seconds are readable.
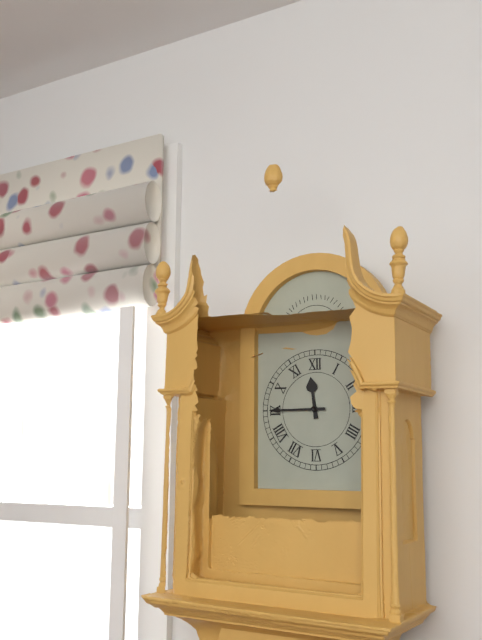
11.45
